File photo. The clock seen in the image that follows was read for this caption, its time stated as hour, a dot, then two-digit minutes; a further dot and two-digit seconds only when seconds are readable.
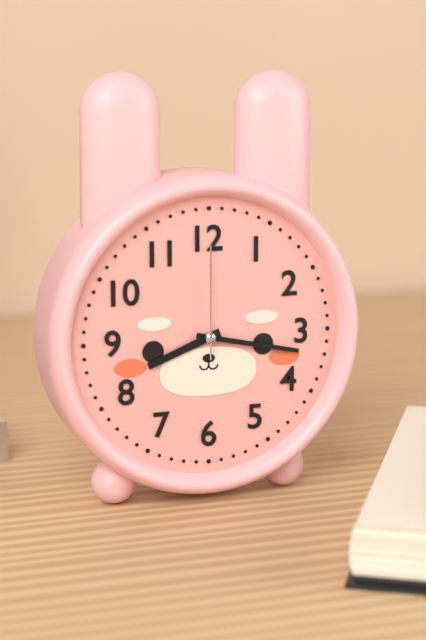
8.17.00
